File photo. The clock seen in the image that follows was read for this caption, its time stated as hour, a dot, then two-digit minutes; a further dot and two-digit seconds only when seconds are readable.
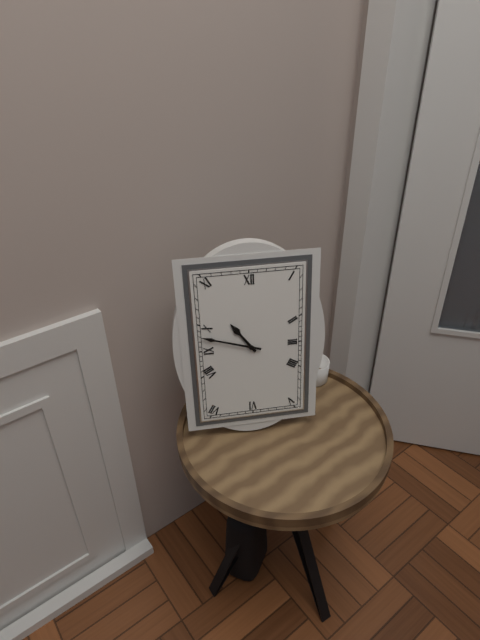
10.48
